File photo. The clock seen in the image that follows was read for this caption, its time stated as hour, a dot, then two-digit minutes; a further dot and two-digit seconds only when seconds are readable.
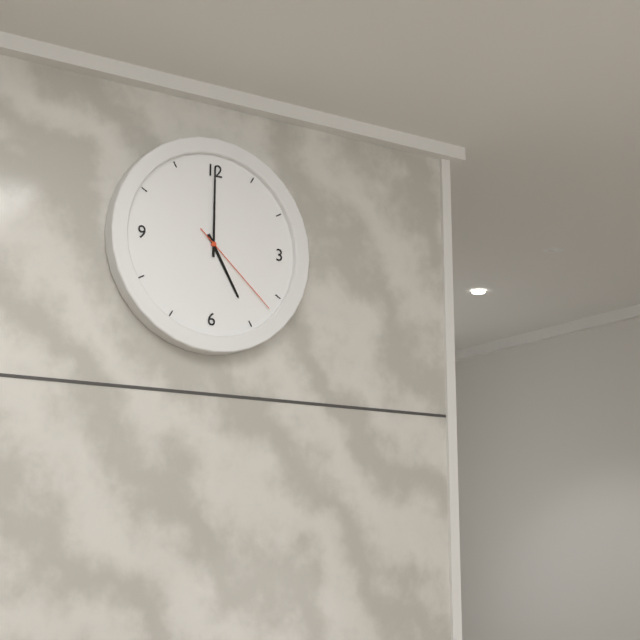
5.00.22
